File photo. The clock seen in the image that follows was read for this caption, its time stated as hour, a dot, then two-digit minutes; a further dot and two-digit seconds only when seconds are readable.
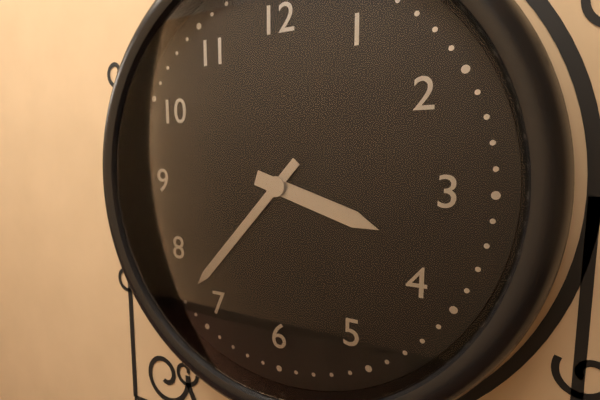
3.37
